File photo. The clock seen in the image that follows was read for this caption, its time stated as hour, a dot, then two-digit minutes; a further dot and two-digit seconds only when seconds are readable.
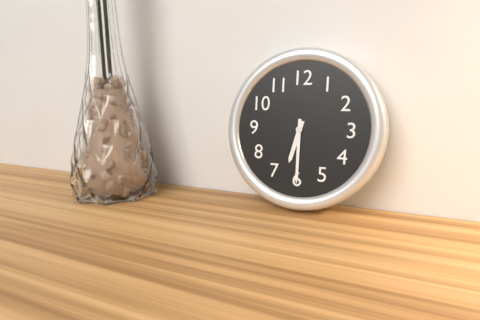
6.30
